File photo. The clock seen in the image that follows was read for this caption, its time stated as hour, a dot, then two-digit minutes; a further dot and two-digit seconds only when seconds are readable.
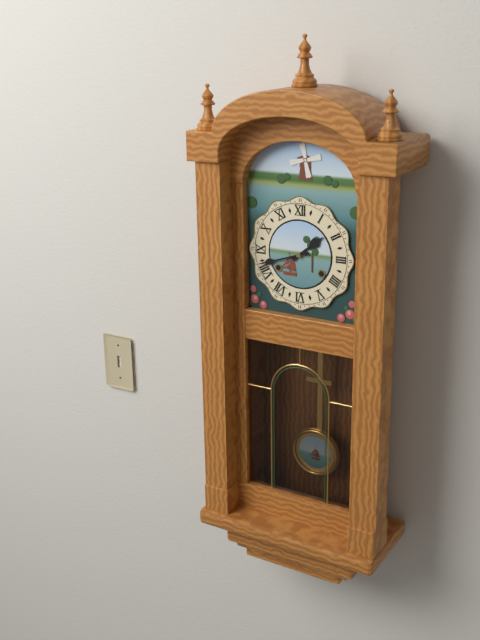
1.42
